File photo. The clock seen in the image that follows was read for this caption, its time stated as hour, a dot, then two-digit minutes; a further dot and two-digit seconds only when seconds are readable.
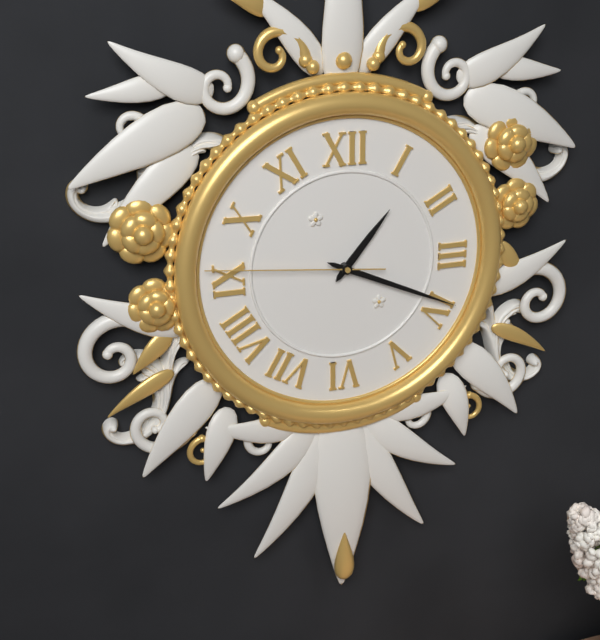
1.19.46
